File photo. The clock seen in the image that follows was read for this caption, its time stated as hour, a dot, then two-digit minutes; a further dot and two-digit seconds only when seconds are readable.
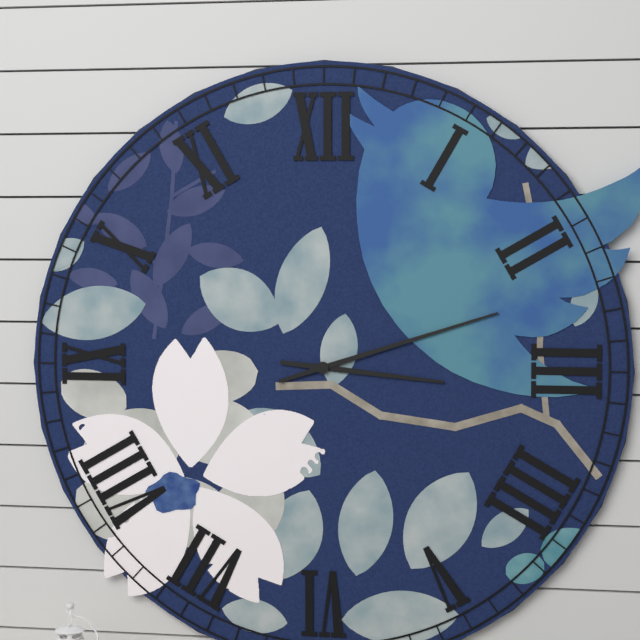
3.12
